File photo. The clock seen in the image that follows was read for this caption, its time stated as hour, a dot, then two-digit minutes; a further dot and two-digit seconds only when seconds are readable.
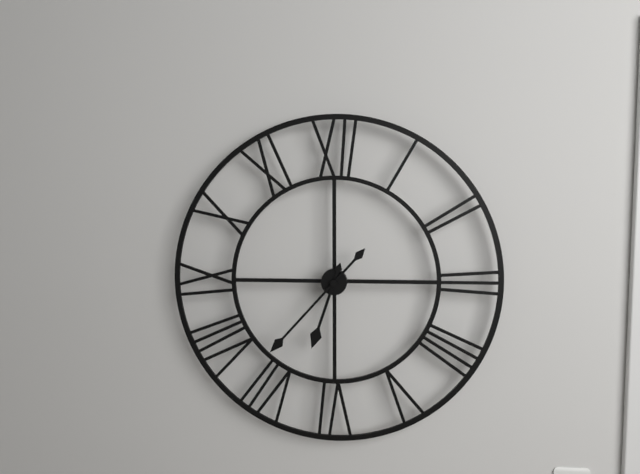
6.37
